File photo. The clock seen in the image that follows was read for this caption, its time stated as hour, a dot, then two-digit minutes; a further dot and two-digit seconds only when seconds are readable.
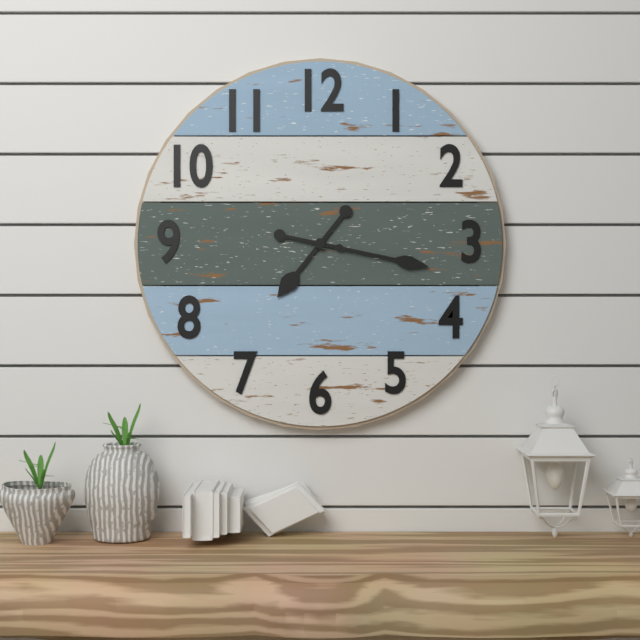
7.17
